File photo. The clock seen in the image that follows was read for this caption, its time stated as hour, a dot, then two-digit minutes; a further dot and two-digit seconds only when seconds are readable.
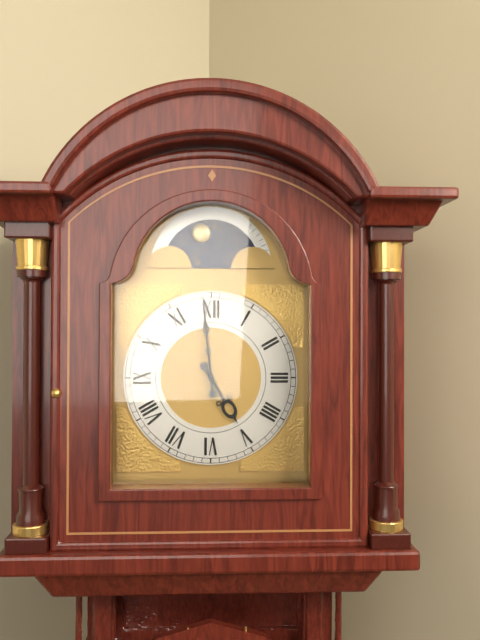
4.59
